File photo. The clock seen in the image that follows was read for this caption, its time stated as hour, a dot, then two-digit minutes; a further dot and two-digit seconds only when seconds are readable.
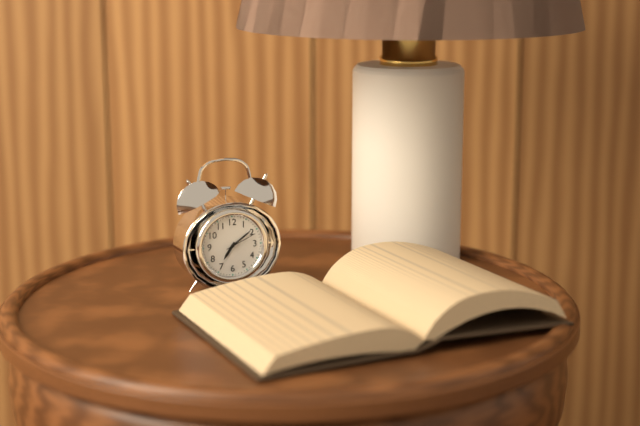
7.09
